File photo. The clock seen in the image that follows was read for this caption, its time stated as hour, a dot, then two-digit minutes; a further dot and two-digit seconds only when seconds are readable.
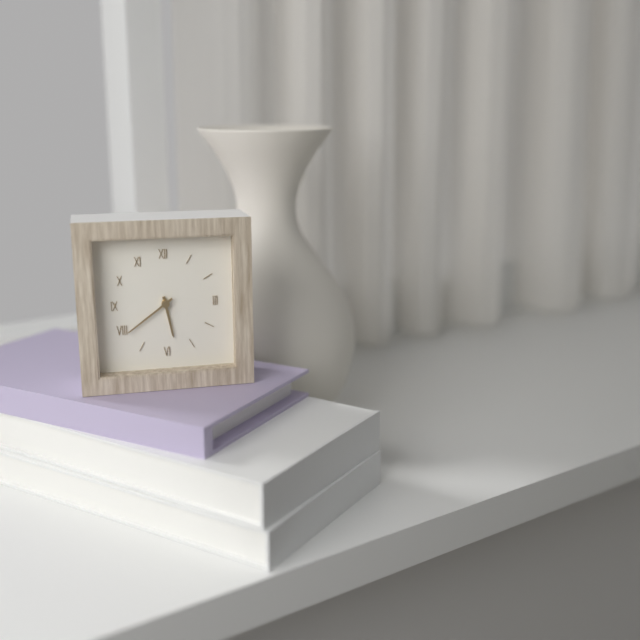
5.39
